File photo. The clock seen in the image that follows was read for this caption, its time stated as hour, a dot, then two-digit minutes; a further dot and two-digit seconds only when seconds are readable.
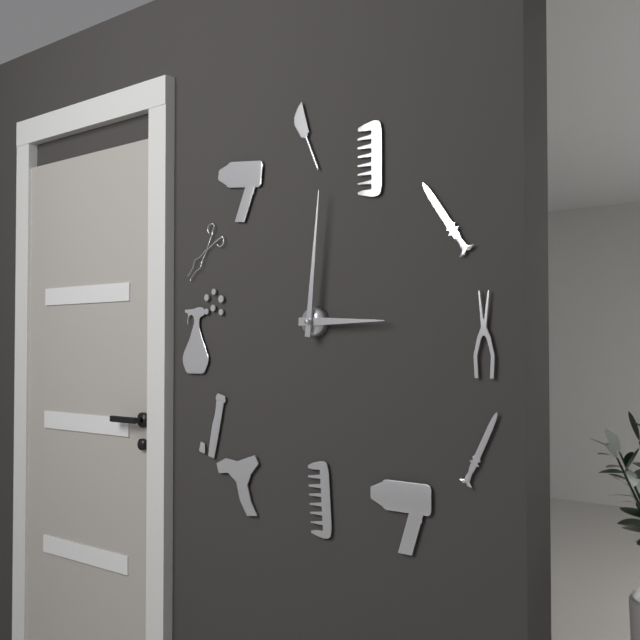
3.01
